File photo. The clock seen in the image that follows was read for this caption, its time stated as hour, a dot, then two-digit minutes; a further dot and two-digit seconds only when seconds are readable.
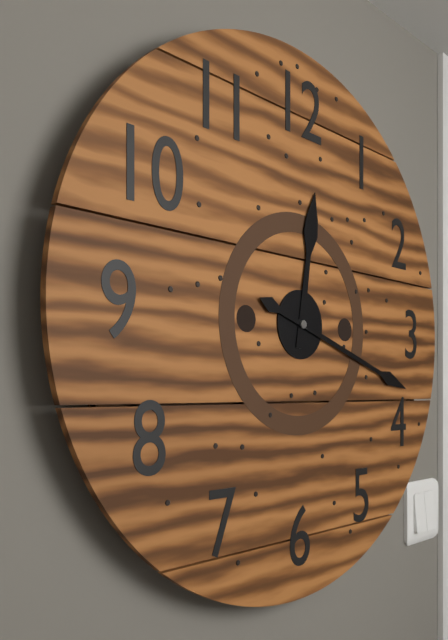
12.18
